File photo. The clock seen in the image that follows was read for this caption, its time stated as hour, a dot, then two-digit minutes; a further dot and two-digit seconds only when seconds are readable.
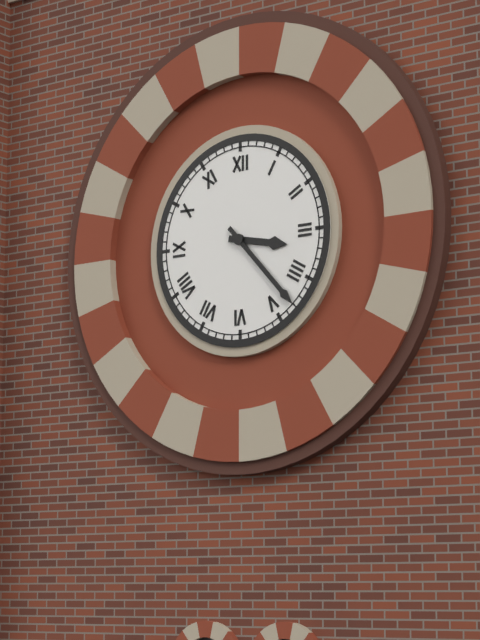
3.23
